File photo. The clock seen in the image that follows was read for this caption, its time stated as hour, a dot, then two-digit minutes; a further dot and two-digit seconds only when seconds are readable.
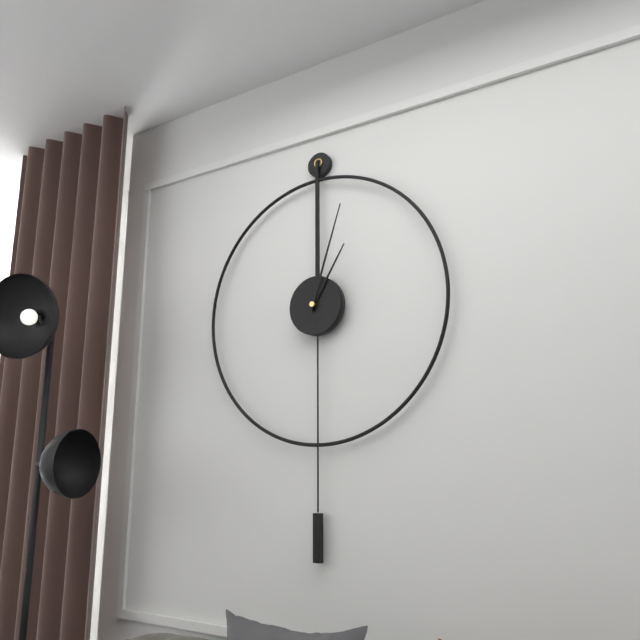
1.03
